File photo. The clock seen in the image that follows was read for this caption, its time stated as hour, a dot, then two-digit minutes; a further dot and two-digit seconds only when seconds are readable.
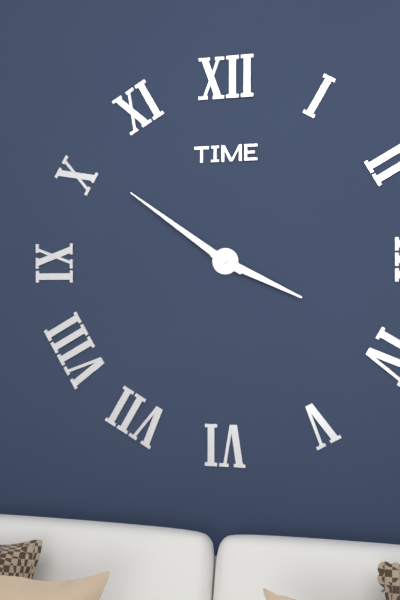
3.51
